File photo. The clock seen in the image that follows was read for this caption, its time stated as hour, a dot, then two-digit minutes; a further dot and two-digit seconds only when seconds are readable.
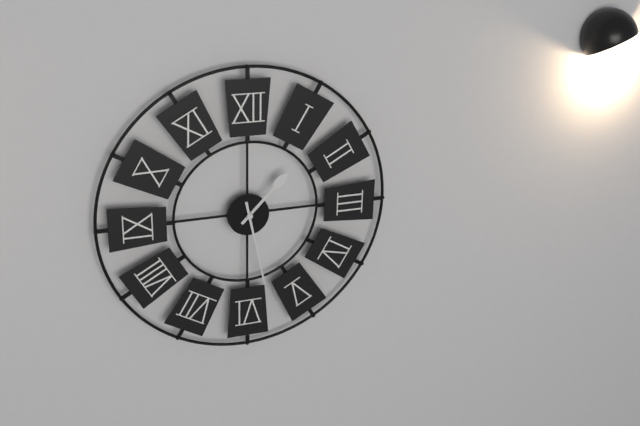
1.28
